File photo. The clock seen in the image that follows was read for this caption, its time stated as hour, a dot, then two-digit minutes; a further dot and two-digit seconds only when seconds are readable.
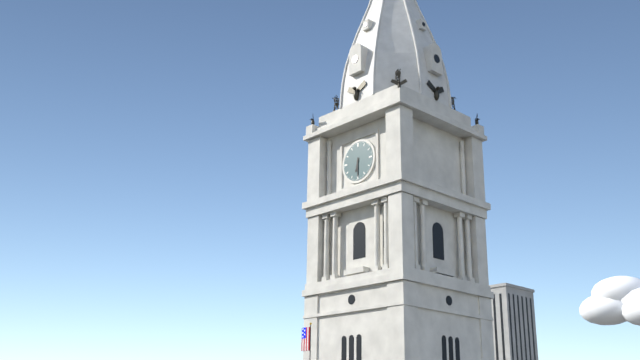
6.30
